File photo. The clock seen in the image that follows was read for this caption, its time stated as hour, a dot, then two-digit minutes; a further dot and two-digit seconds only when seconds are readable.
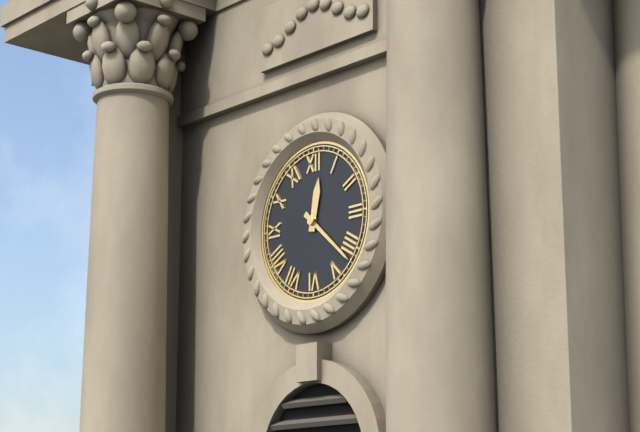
12.22
